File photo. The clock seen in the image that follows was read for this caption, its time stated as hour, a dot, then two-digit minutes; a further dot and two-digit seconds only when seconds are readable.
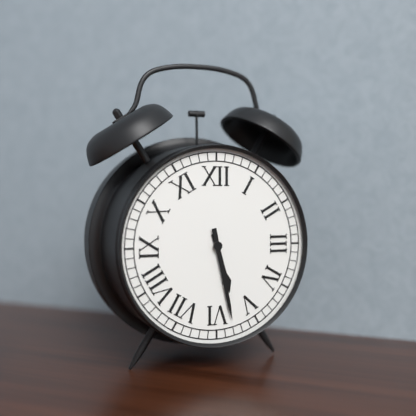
5.28
